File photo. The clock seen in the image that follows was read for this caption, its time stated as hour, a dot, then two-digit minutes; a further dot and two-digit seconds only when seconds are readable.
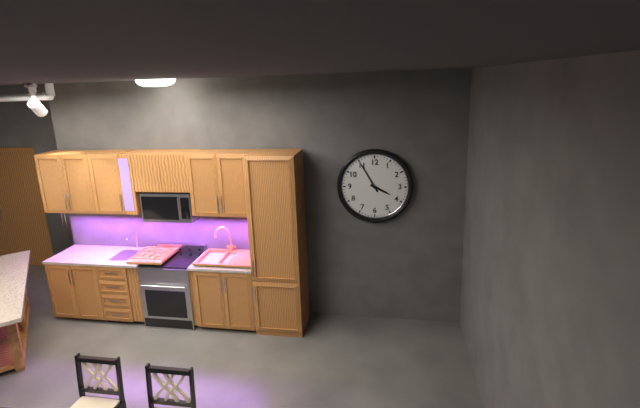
3.55
